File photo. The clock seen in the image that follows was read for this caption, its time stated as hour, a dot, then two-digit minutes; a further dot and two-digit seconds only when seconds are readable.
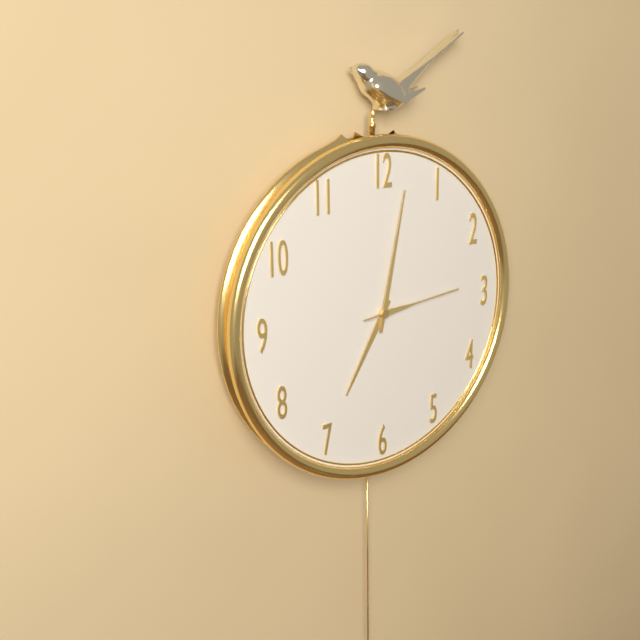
7.02.14
